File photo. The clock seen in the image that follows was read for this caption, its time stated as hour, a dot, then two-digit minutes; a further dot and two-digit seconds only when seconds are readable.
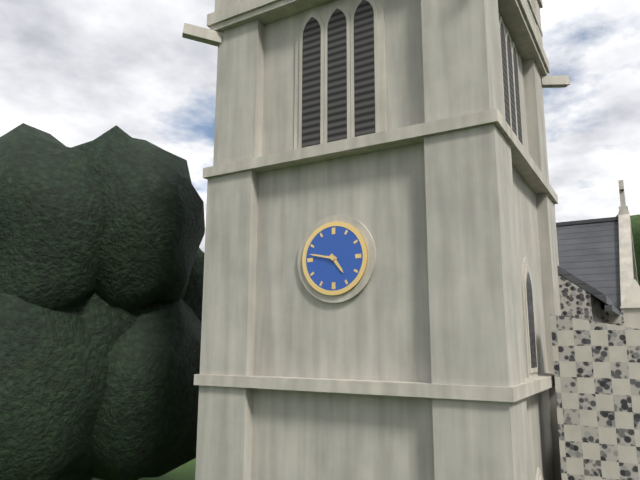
4.47
